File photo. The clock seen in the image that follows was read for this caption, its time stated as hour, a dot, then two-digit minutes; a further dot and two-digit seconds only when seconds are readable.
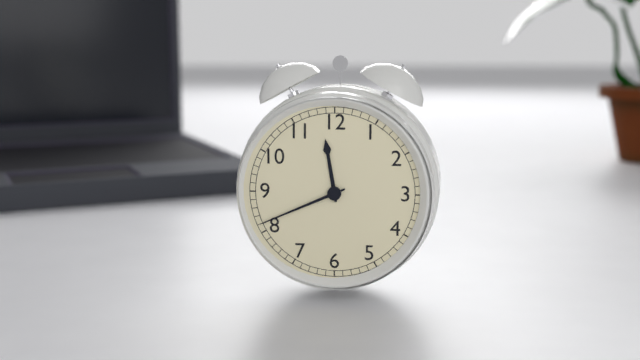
11.41
